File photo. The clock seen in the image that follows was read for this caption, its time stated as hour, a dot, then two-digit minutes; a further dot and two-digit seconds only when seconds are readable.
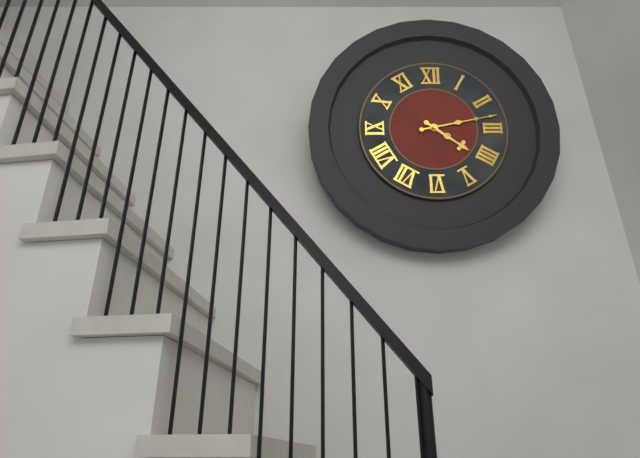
4.13
